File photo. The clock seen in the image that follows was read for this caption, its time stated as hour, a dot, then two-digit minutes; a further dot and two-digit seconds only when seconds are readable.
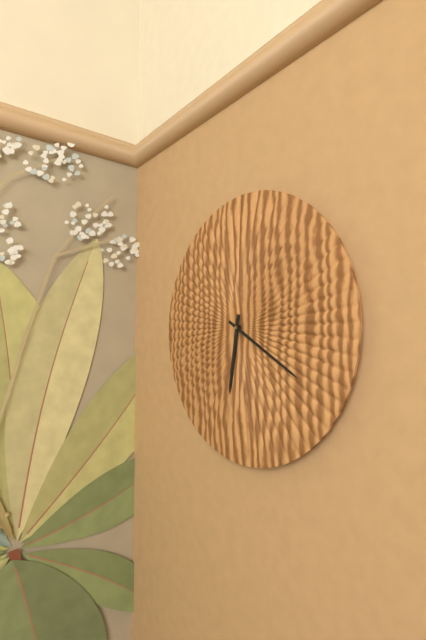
6.20
